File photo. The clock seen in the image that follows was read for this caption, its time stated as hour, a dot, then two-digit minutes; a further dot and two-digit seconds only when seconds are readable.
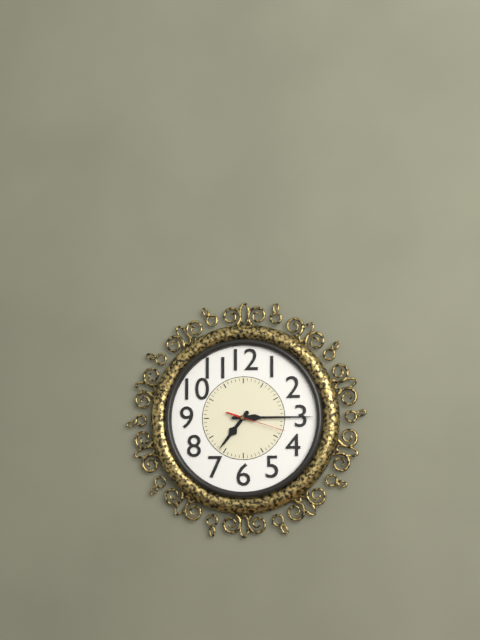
7.15.18
